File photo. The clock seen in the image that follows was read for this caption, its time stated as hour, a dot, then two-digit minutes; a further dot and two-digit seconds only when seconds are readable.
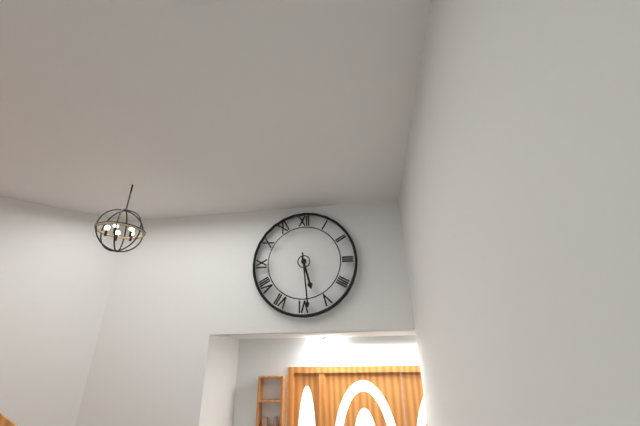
5.29
